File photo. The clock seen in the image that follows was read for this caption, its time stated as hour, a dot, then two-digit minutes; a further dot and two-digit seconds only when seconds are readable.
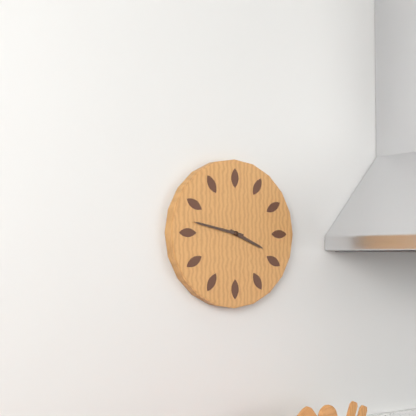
3.47
